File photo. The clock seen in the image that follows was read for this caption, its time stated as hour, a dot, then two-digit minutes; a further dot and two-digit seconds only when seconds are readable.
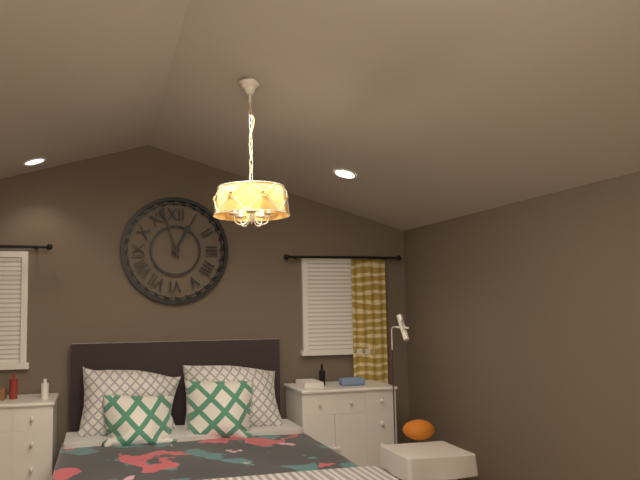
12.57
